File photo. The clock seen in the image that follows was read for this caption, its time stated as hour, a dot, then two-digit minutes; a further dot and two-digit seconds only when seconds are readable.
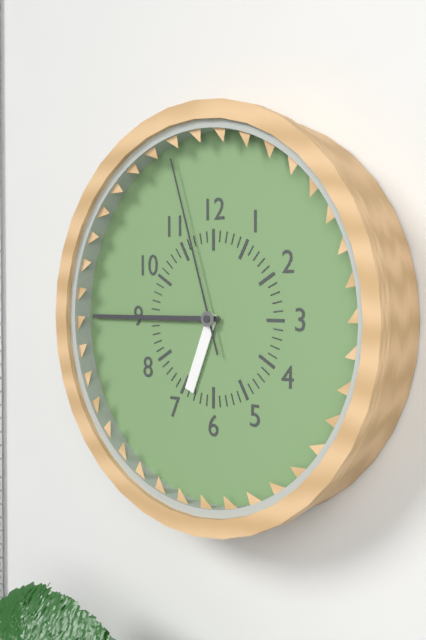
6.45.57
